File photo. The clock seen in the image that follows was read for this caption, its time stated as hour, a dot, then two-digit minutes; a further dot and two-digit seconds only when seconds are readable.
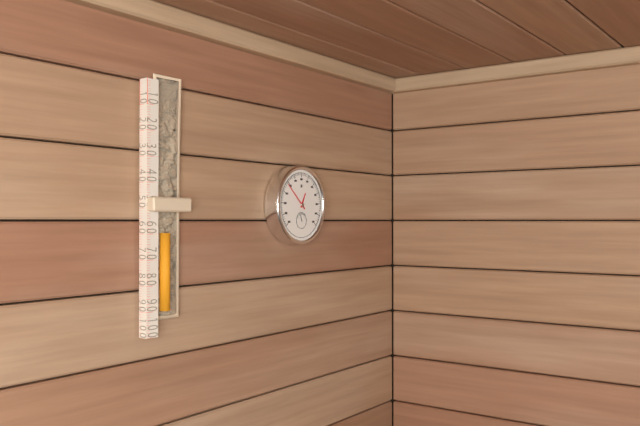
12.52
